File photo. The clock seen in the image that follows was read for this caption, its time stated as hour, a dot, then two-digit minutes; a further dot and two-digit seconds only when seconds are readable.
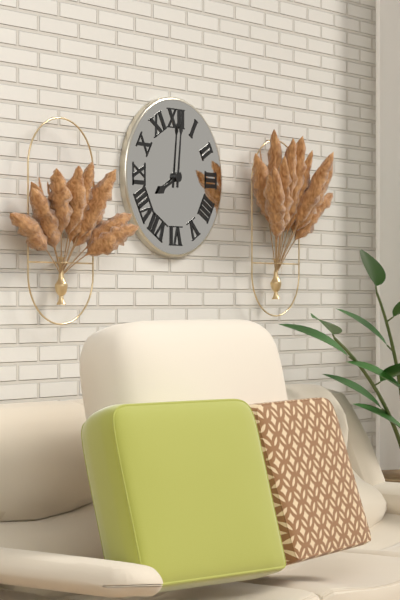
8.01
